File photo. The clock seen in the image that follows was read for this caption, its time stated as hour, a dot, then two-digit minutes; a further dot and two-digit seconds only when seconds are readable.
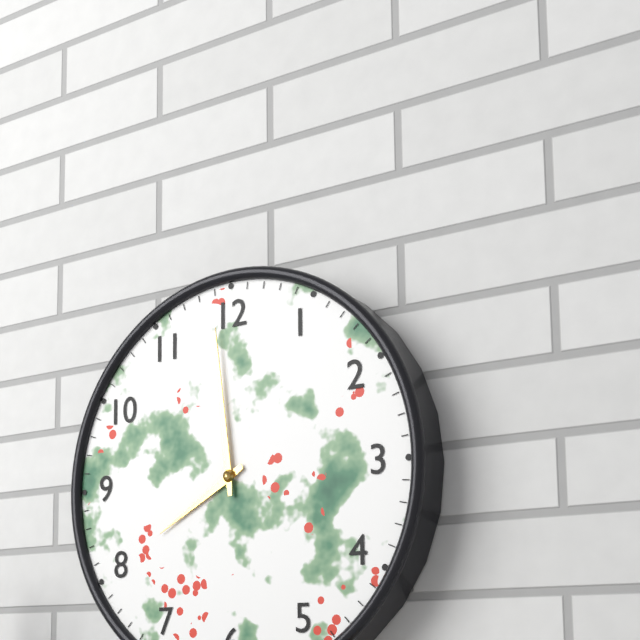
7.59
